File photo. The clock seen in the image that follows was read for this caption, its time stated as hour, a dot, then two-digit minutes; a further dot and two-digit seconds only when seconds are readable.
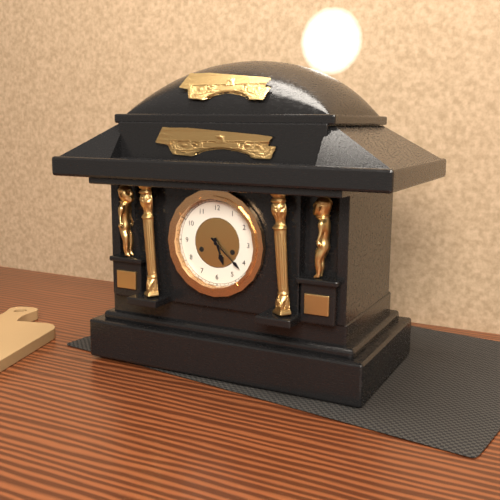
5.22
